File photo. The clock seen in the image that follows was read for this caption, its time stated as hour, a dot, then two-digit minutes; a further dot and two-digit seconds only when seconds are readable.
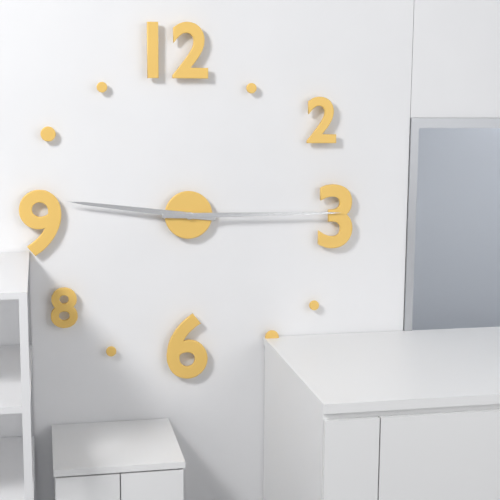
9.15
